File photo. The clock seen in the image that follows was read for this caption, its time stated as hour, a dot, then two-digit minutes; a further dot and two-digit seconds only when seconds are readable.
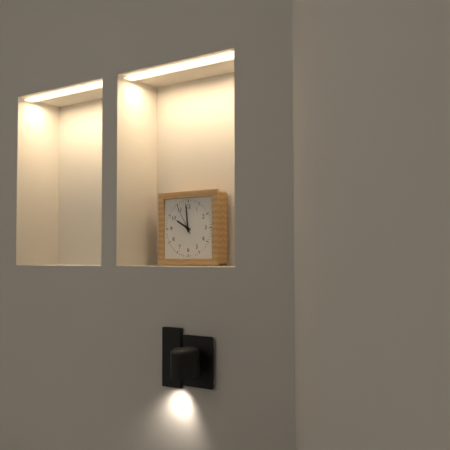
9.59
